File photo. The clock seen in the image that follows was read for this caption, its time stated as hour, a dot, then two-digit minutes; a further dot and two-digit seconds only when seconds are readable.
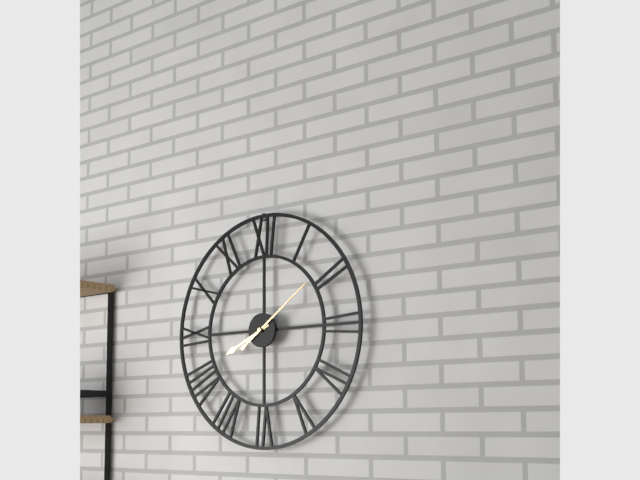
8.09
